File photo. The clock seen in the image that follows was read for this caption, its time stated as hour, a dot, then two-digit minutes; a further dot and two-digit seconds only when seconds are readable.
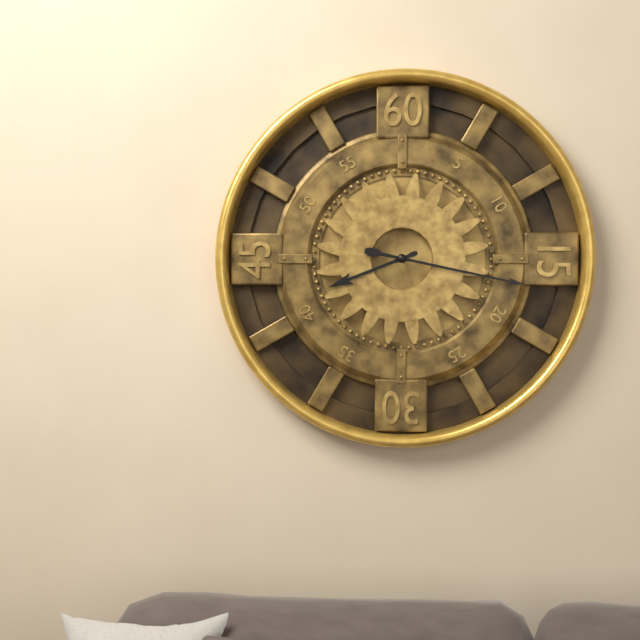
8.17
